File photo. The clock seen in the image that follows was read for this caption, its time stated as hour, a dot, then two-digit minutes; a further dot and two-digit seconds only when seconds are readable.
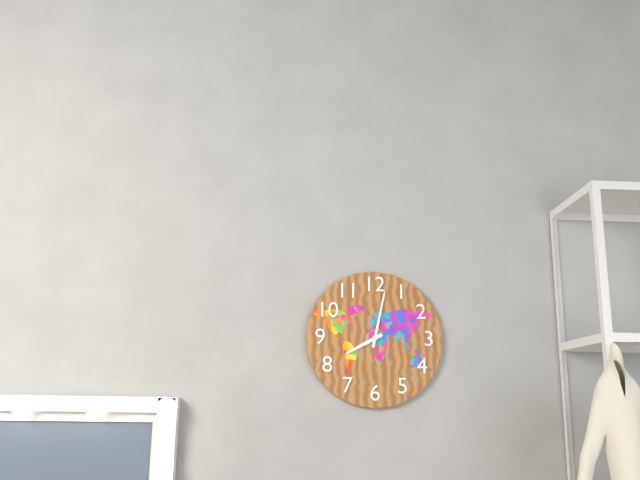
8.02
